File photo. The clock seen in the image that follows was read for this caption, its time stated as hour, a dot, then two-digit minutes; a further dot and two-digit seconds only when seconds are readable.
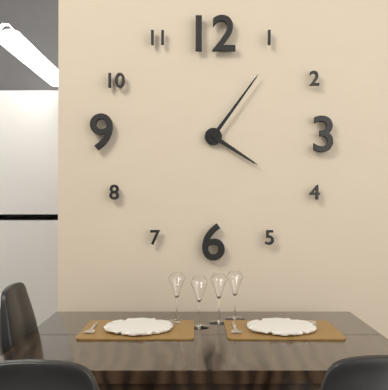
4.06
